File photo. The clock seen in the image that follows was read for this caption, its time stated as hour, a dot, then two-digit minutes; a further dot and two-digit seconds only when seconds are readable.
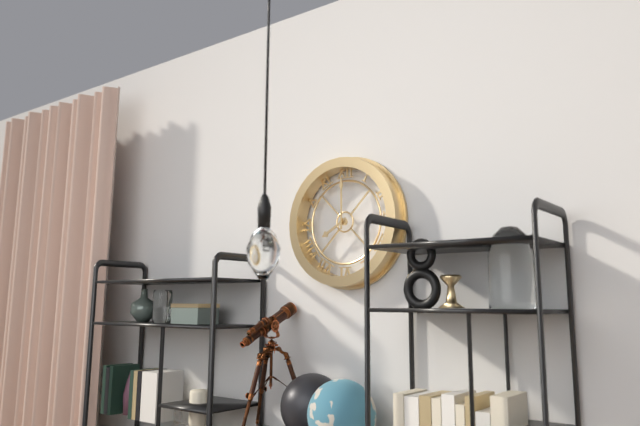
8.00
